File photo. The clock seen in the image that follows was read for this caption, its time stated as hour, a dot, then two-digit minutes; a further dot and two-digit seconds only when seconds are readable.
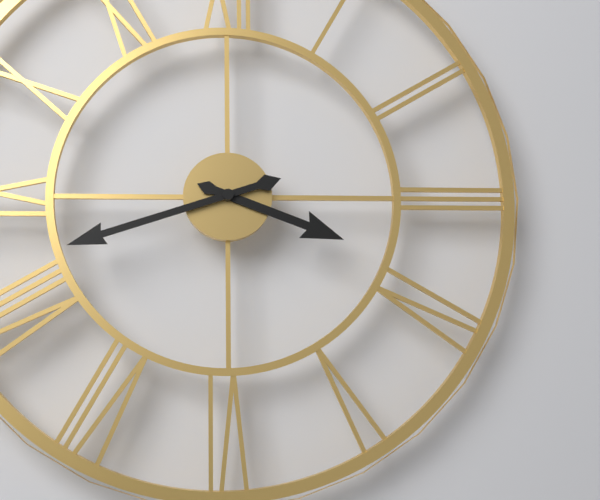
3.42
